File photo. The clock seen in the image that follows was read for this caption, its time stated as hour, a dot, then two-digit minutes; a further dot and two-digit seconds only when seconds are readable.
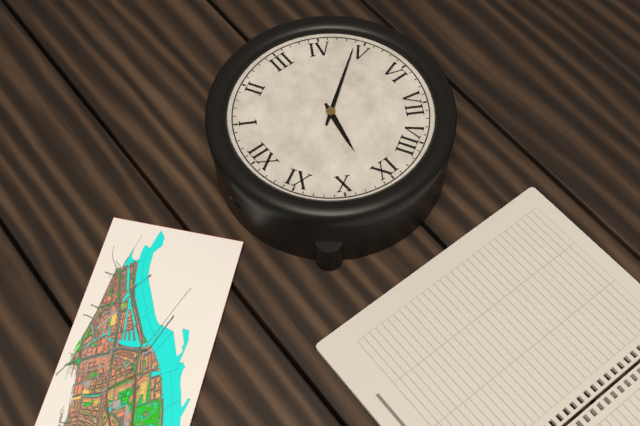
9.24
